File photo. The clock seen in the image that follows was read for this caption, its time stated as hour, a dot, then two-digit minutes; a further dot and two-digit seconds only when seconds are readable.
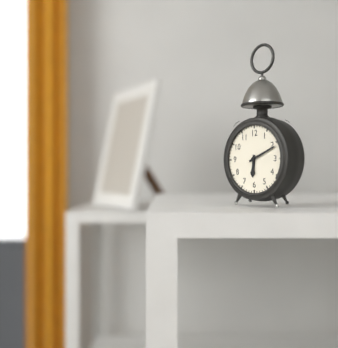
6.11
